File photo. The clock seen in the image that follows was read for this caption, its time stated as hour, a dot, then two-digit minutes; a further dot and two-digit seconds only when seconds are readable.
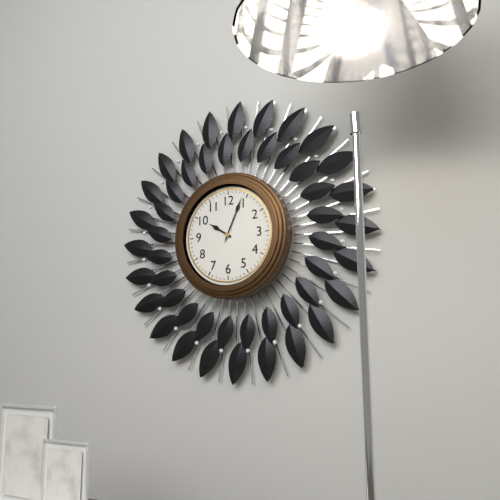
10.04
